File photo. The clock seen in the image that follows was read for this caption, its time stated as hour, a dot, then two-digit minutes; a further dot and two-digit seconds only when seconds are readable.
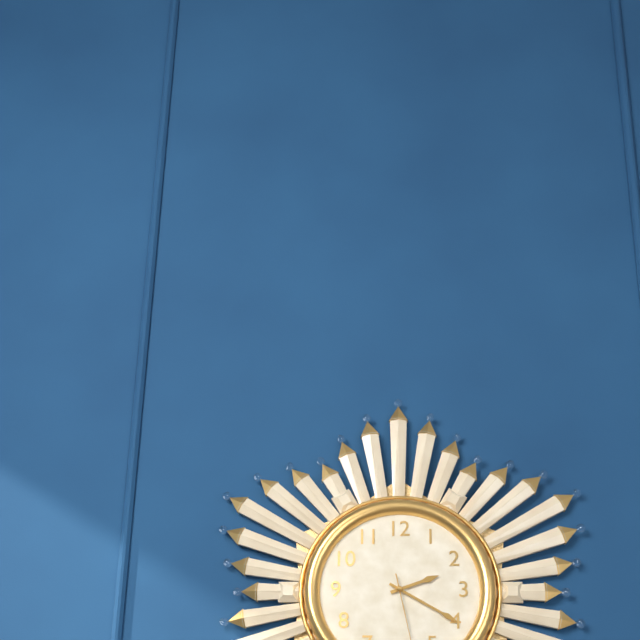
2.20
